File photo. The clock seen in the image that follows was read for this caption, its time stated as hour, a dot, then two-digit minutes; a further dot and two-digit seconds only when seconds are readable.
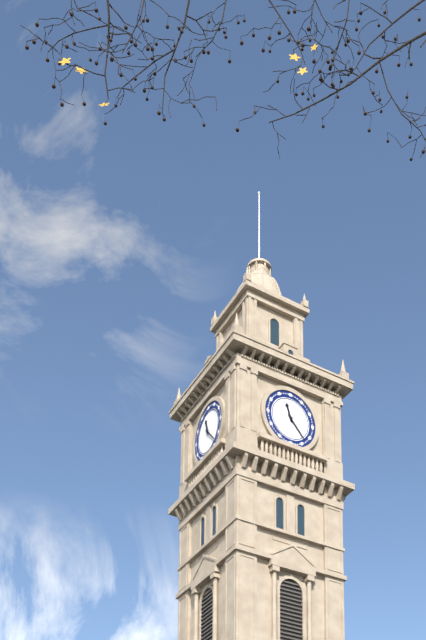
11.23
